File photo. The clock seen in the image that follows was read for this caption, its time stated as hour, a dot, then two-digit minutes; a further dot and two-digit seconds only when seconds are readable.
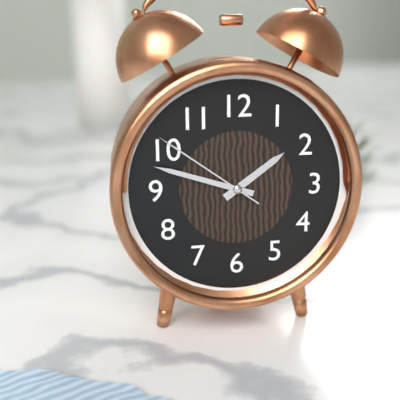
1.48.51
